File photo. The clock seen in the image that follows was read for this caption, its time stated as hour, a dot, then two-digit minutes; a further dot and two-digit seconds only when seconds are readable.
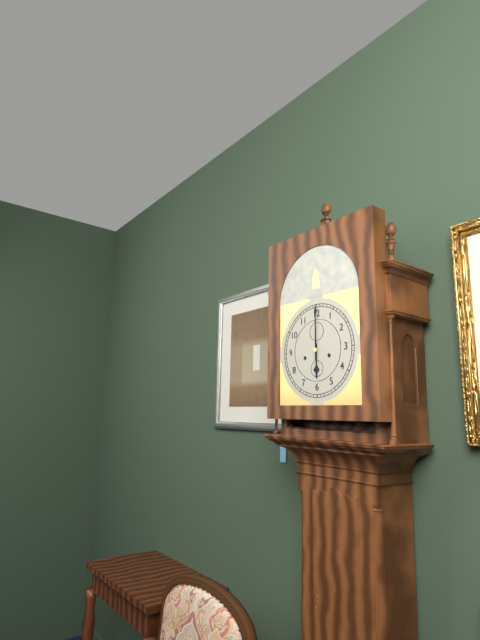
6.00
